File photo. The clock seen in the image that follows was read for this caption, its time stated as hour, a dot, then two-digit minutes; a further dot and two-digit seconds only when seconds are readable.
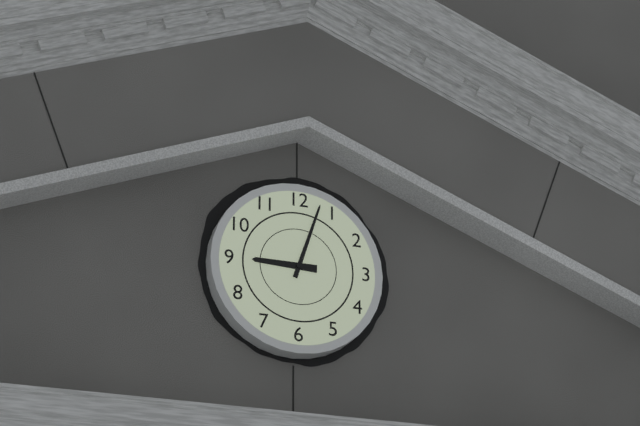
9.03
